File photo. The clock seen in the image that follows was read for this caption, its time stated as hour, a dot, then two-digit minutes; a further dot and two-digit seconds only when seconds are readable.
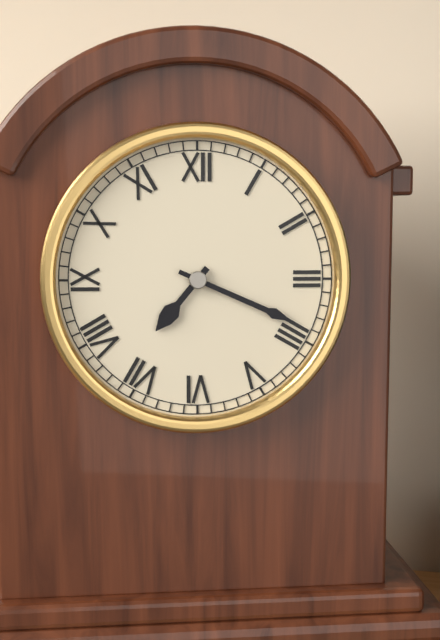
7.19
